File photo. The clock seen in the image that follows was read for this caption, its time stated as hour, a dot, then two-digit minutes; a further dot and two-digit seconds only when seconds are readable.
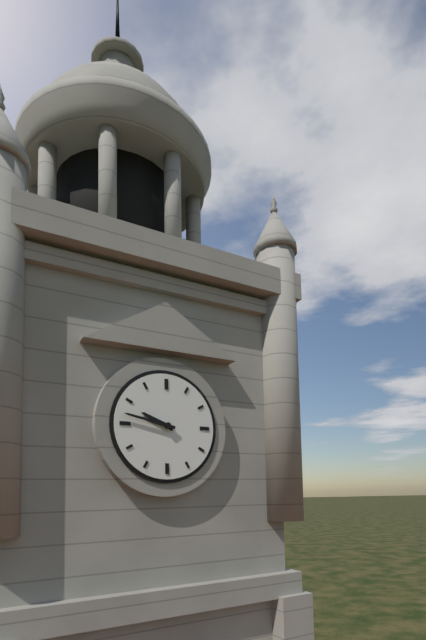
9.47
